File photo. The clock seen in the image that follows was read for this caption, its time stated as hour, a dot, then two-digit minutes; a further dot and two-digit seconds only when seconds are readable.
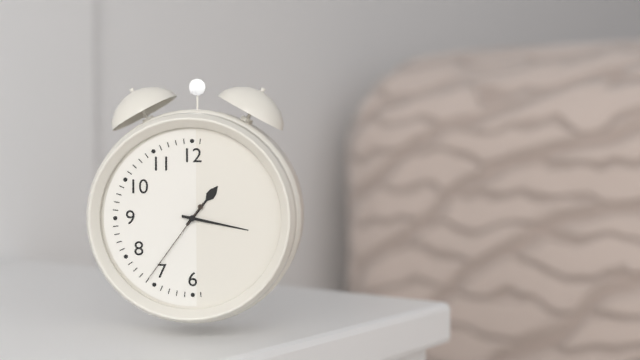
1.17.36
